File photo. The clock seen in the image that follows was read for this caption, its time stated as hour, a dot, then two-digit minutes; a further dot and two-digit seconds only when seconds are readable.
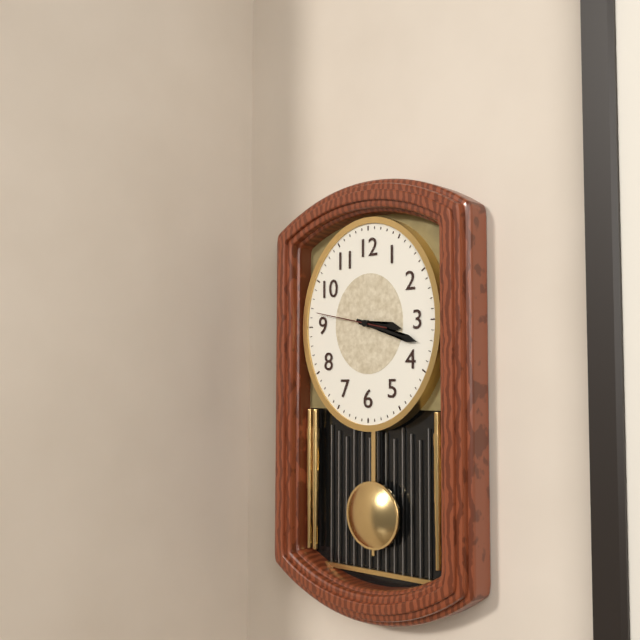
3.18.47
